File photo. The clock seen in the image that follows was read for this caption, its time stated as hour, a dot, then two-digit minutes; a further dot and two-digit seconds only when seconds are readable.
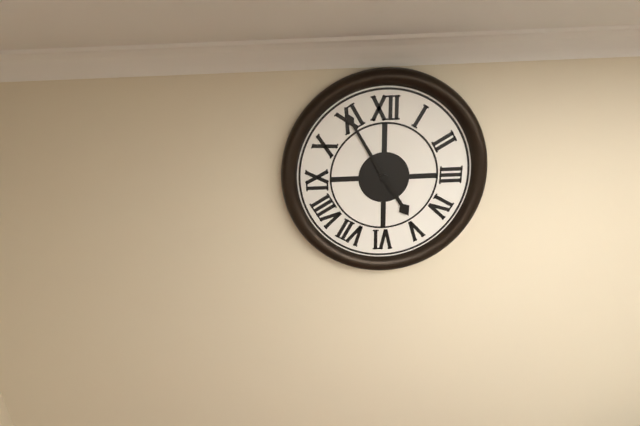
4.55
